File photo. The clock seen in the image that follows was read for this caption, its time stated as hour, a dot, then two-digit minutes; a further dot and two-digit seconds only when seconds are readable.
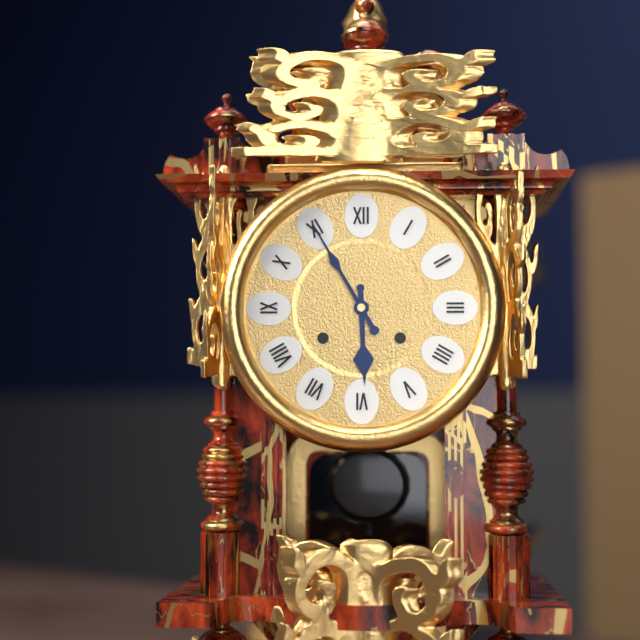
5.55
